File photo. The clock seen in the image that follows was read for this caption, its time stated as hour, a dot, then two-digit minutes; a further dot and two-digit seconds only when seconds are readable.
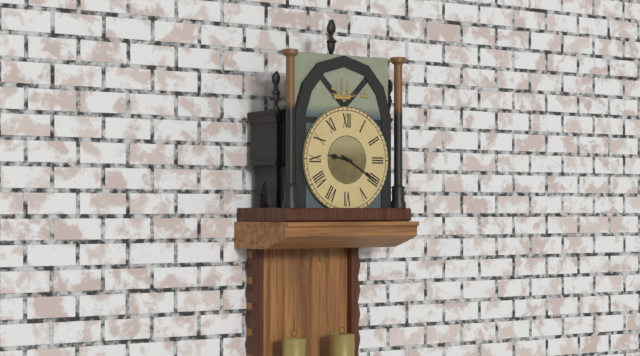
9.20
